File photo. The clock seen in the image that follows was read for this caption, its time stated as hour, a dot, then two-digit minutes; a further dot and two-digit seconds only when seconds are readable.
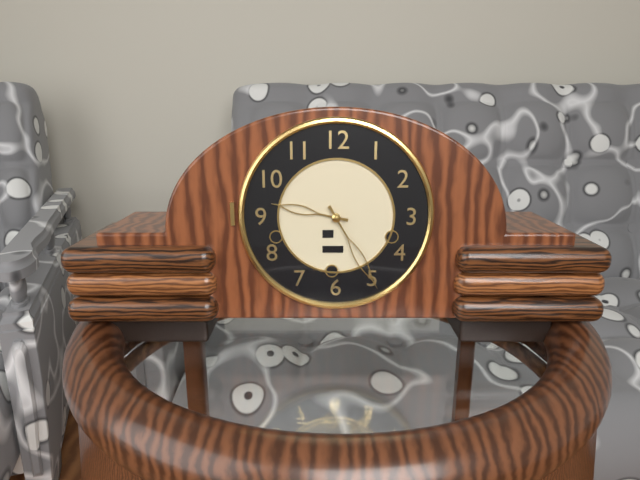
9.25
